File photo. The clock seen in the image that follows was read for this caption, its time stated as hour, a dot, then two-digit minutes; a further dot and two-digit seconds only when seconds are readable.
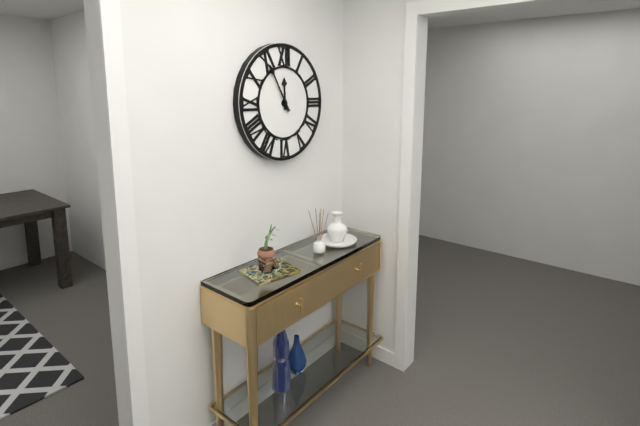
11.55
